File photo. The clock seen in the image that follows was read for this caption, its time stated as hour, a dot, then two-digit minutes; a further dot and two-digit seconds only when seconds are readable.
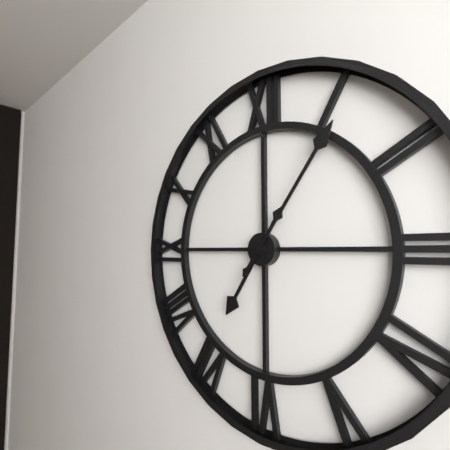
7.06
